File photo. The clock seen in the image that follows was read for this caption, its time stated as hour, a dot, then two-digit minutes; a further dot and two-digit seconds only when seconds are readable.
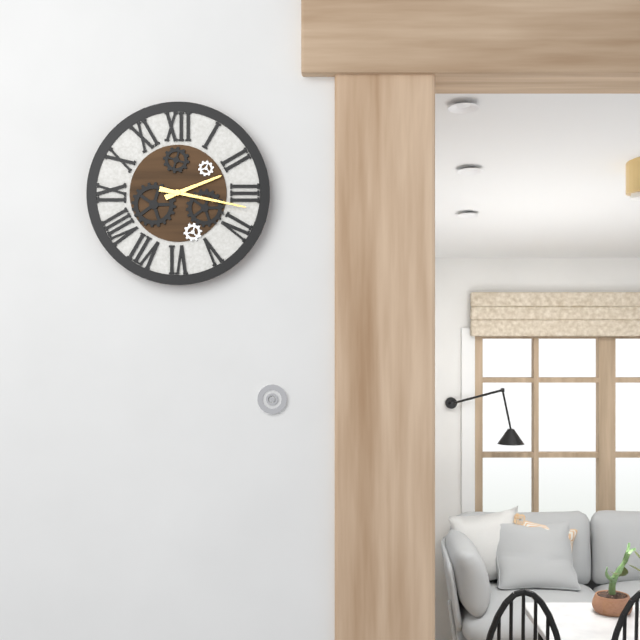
2.17
